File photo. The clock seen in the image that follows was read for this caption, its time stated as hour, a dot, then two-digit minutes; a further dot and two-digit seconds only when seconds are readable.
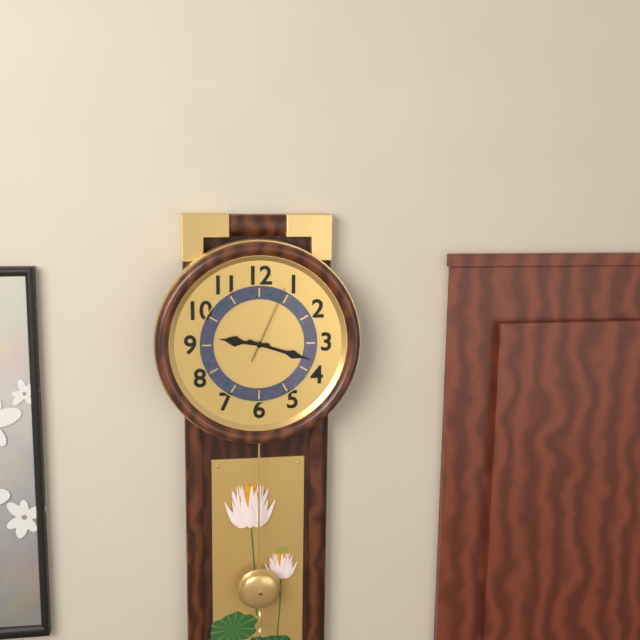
9.18.04
